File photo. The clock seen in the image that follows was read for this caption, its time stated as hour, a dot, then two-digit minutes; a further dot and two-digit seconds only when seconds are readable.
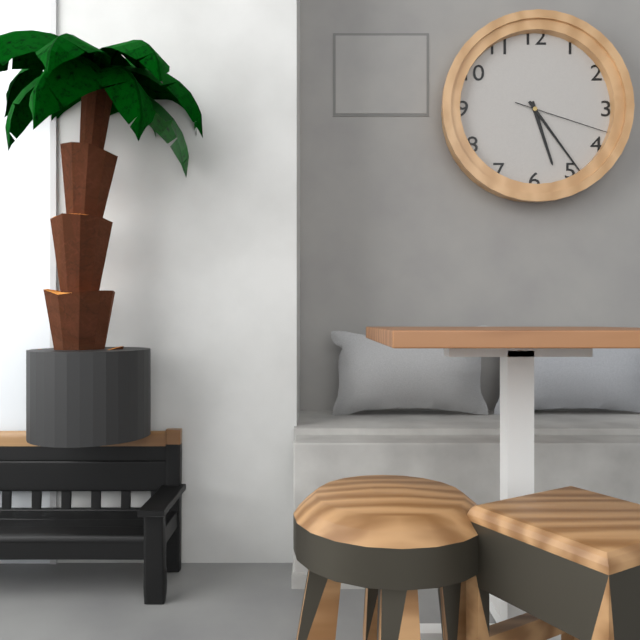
5.24.18
